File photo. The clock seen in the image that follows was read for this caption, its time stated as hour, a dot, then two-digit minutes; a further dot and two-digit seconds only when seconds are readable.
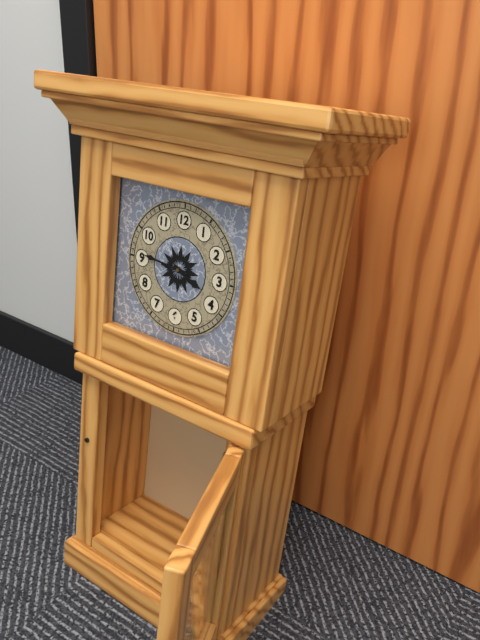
3.46
